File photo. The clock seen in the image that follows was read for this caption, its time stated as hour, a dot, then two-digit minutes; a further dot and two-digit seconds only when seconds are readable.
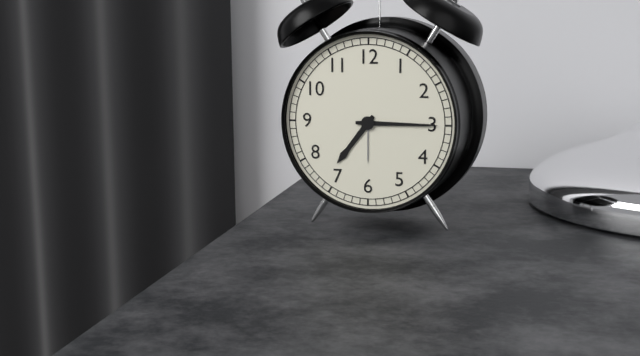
7.15
